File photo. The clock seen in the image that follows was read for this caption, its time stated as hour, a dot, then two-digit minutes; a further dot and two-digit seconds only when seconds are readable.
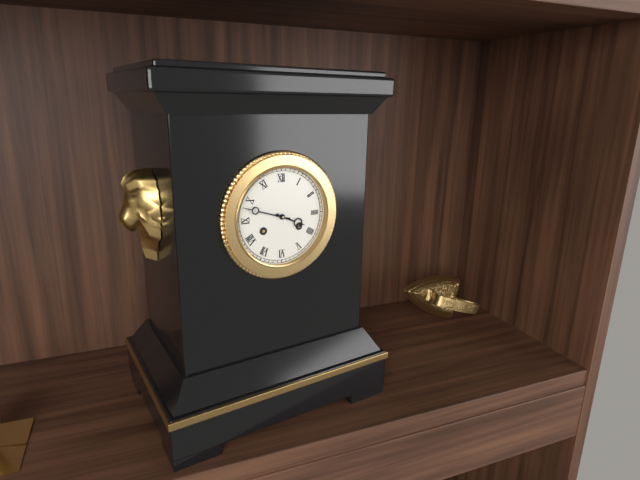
3.48
